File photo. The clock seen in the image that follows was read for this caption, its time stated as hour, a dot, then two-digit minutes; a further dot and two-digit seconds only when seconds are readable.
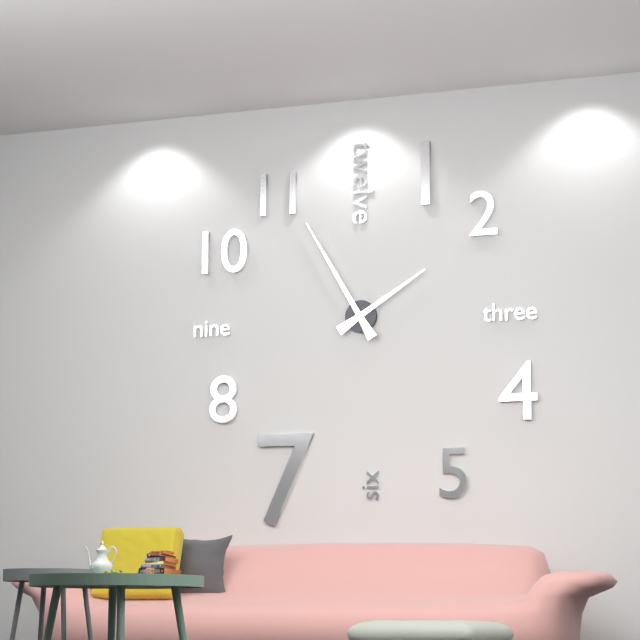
1.55
